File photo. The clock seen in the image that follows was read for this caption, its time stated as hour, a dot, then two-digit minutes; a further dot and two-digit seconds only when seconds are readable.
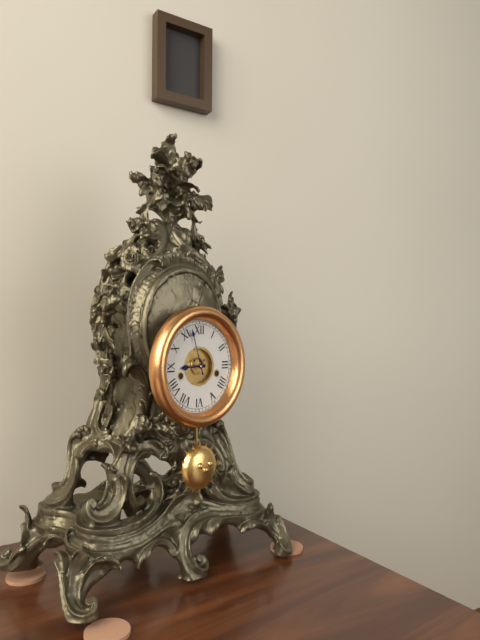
8.57
